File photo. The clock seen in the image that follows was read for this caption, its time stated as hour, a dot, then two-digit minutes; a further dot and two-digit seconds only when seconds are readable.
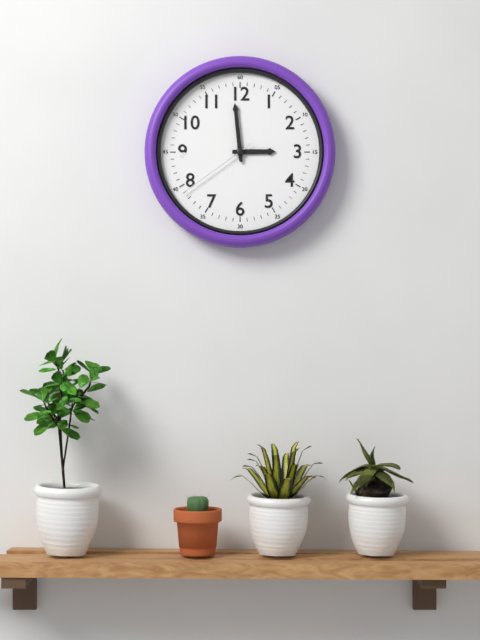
2.59.39
